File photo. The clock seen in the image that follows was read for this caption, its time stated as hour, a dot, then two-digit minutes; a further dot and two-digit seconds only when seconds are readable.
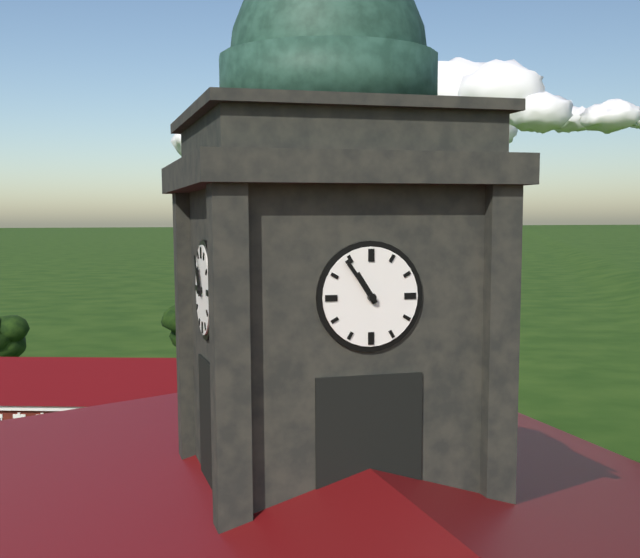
10.54
